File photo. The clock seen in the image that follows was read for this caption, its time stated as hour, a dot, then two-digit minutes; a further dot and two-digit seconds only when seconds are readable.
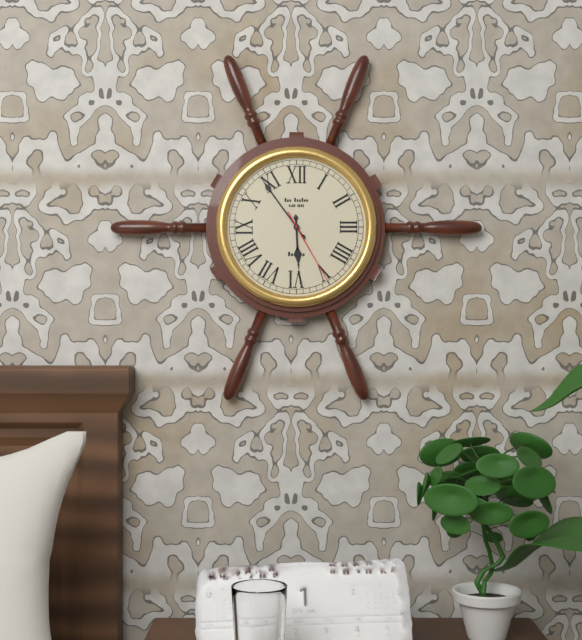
5.54.25
